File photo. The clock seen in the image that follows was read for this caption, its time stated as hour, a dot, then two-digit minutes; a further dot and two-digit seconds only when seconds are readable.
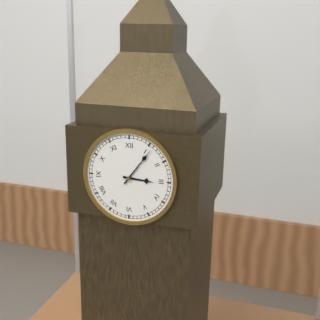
3.06
